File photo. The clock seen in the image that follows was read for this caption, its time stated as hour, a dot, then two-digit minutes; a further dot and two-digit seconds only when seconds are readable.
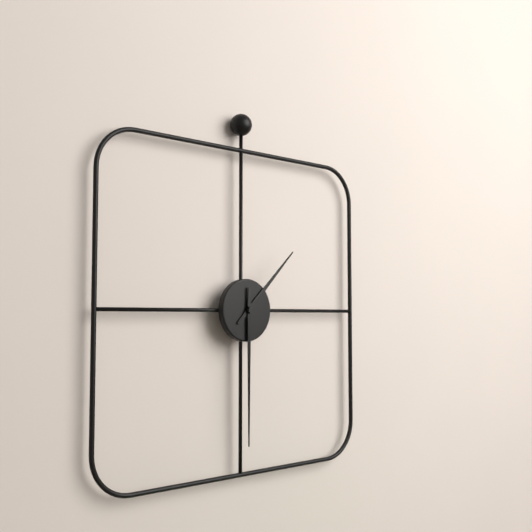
1.30
